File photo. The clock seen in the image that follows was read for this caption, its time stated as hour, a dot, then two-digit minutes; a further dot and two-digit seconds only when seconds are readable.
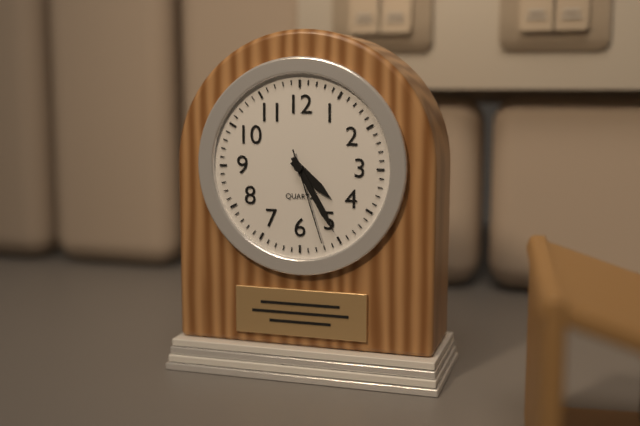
4.25.27
